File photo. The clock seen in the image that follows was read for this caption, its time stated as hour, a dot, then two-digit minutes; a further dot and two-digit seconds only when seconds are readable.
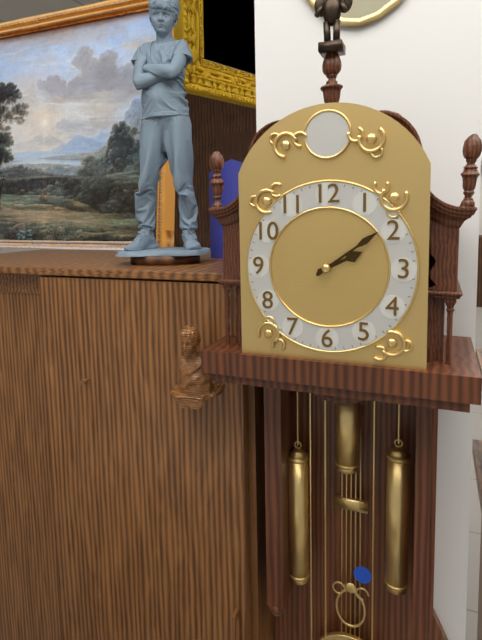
2.09
